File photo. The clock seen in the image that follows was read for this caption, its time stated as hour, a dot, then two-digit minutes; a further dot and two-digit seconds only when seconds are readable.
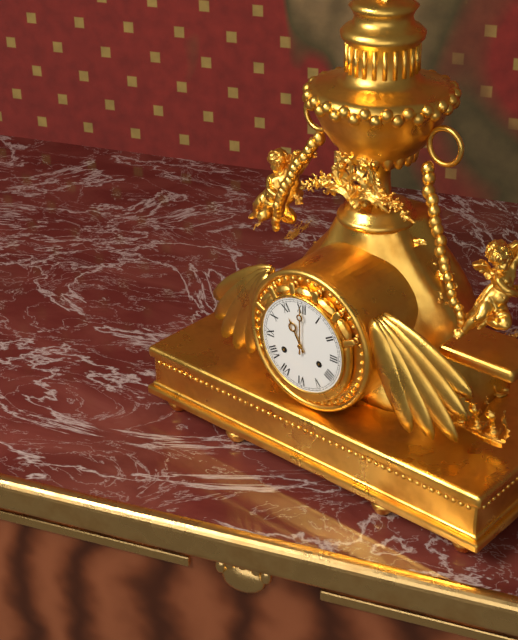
11.00
